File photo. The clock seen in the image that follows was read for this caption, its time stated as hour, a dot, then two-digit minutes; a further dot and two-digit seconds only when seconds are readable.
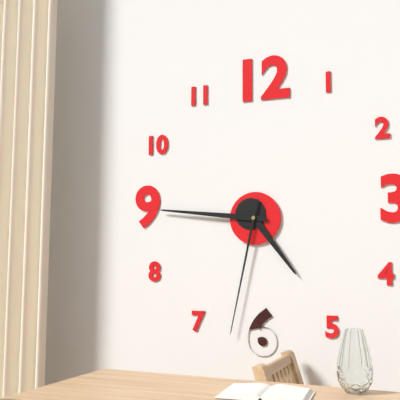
4.46.32
